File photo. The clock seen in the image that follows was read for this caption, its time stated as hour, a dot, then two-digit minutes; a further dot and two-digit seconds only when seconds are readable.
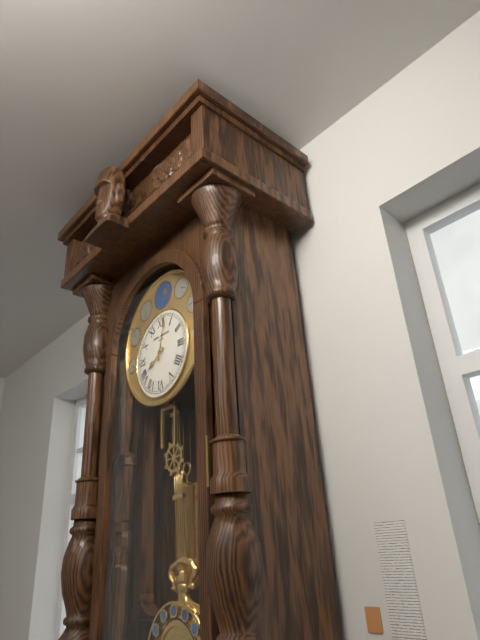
8.02
